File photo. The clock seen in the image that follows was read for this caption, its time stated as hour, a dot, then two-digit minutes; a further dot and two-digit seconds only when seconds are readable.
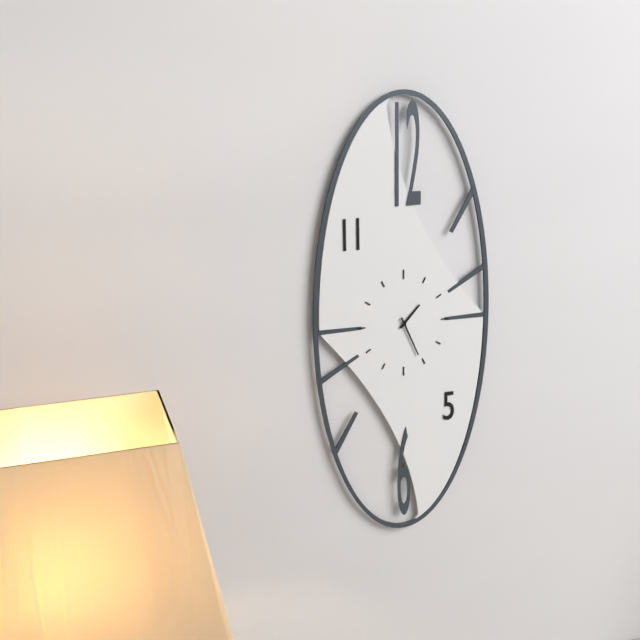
1.26
